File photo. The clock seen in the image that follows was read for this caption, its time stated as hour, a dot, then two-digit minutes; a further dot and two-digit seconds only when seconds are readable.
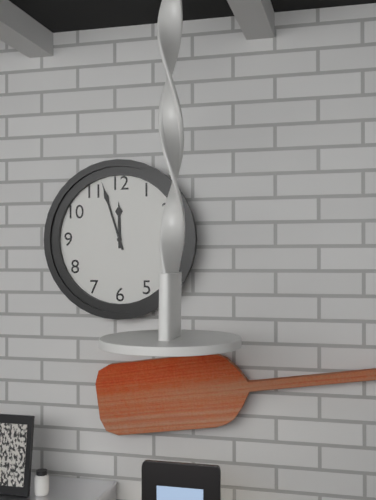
11.57
